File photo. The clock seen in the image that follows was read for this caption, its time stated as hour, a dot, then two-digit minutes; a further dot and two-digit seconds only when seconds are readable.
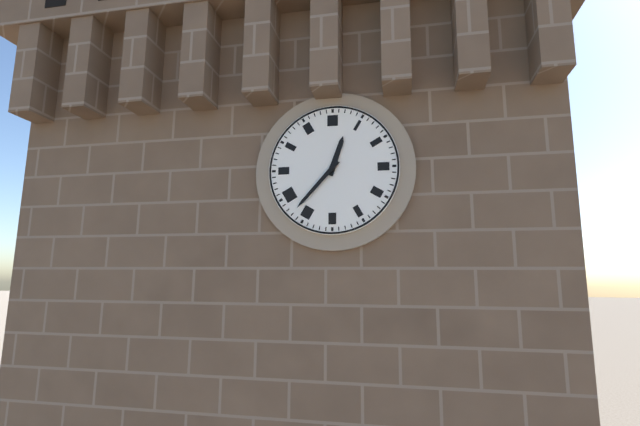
12.37
